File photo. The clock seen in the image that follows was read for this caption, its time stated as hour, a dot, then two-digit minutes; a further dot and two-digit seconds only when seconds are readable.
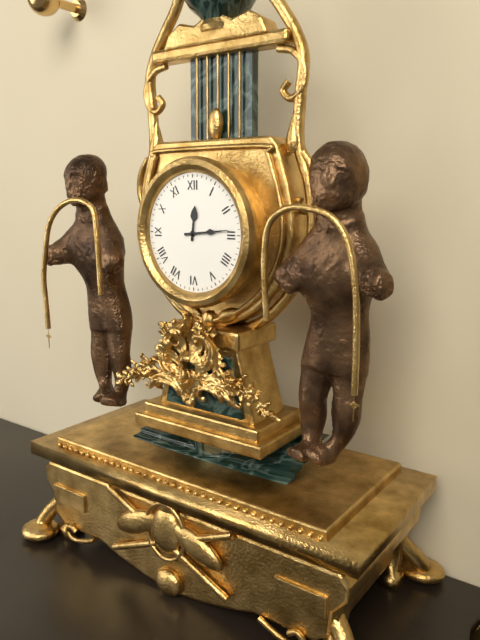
12.14
